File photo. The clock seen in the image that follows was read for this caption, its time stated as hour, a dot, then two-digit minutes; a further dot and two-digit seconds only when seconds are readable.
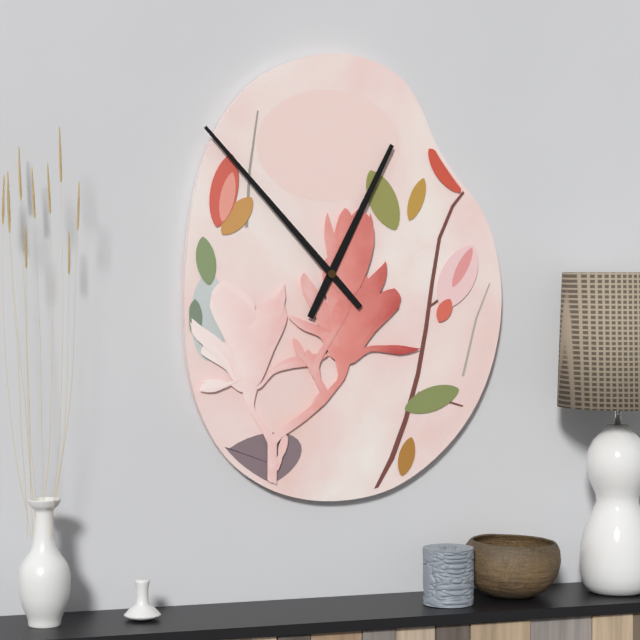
12.53
